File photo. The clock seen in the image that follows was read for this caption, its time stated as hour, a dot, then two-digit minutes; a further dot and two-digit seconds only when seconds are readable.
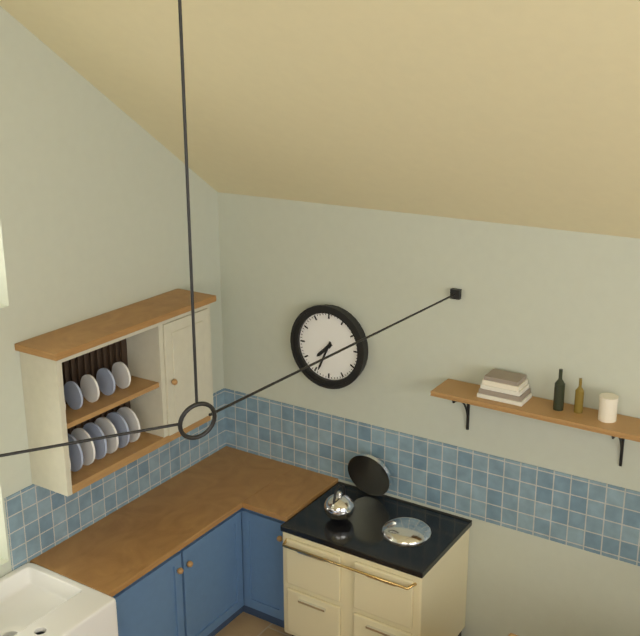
7.34
